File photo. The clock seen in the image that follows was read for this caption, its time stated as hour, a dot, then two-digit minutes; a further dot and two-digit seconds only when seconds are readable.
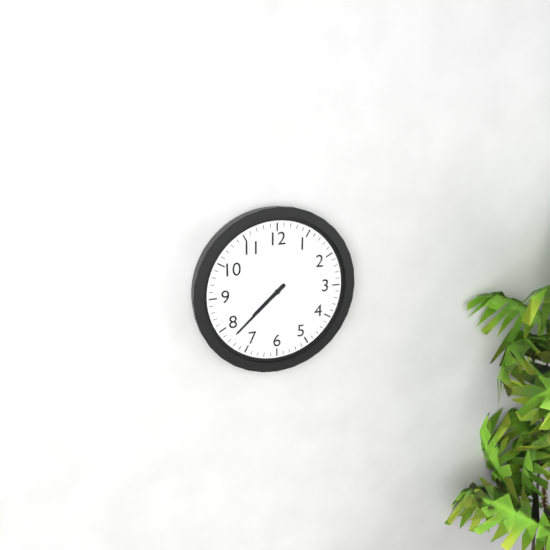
7.38
